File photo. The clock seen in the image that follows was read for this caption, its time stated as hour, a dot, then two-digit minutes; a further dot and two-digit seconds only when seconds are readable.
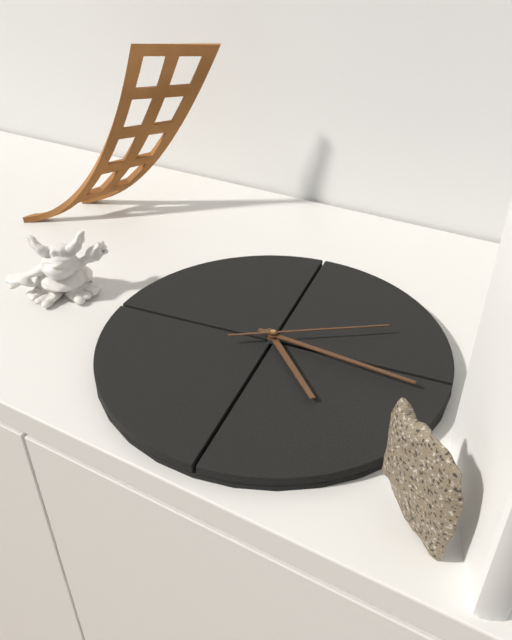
5.20.14
